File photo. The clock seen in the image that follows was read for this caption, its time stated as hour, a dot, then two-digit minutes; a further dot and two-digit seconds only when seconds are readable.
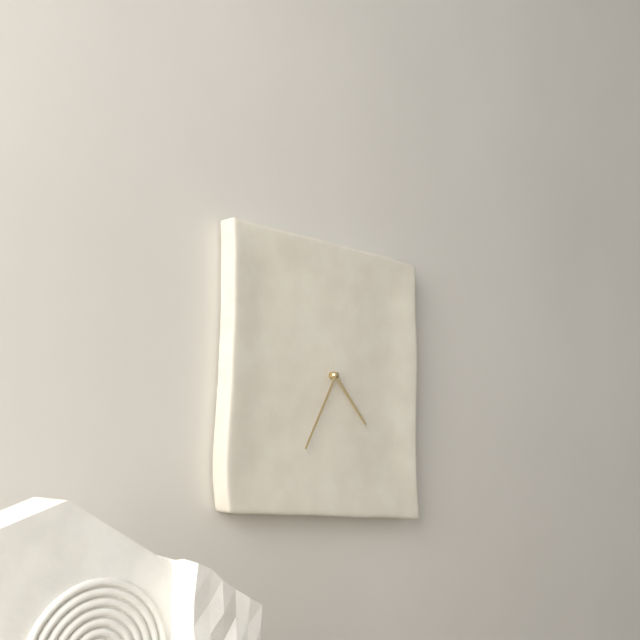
4.35
